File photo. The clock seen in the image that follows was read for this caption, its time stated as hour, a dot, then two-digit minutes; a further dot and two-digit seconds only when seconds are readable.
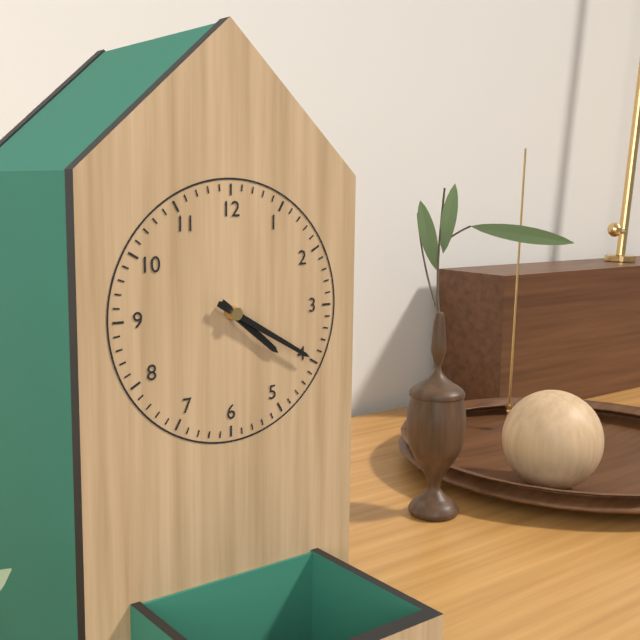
4.20
